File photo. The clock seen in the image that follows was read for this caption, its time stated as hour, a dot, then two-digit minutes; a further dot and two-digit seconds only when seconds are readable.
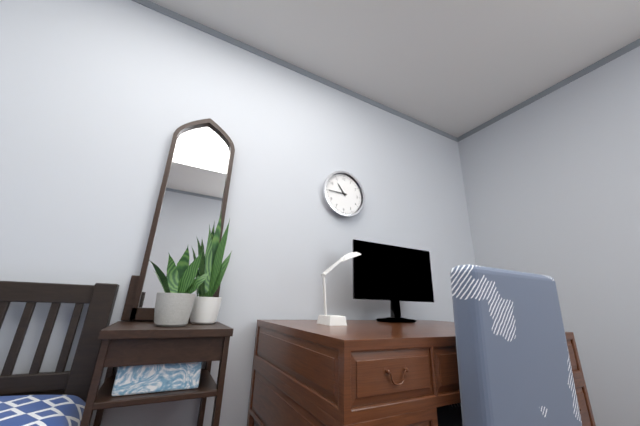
10.45
